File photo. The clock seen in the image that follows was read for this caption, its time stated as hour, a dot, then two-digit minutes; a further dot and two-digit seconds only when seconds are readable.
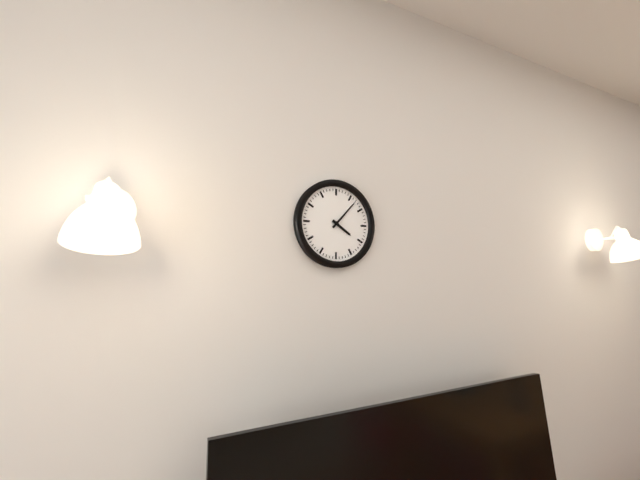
4.07
